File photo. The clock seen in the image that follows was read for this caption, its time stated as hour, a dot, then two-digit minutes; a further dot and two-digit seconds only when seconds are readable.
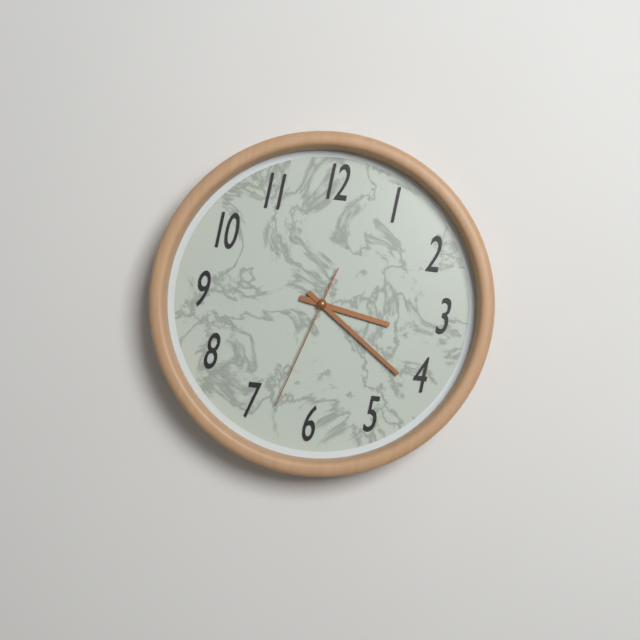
3.21.33
